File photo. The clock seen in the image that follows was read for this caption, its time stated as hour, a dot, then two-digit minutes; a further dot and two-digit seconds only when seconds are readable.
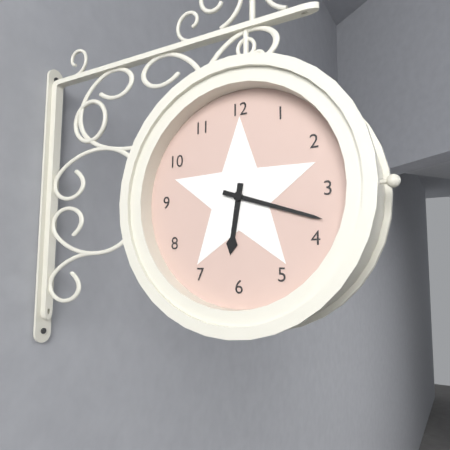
6.18
